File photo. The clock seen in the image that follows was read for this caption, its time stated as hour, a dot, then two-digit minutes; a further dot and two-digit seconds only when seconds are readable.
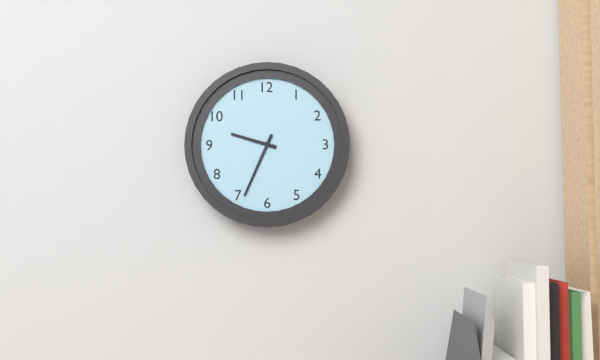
9.34
